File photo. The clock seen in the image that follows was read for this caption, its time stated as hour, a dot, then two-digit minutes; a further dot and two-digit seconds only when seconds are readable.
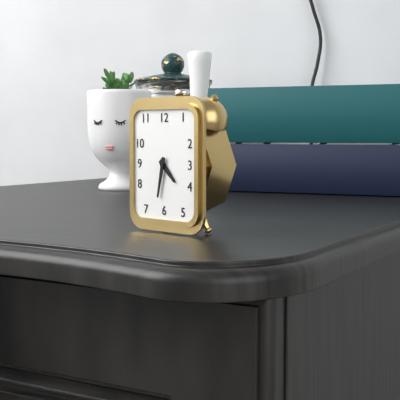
4.32
